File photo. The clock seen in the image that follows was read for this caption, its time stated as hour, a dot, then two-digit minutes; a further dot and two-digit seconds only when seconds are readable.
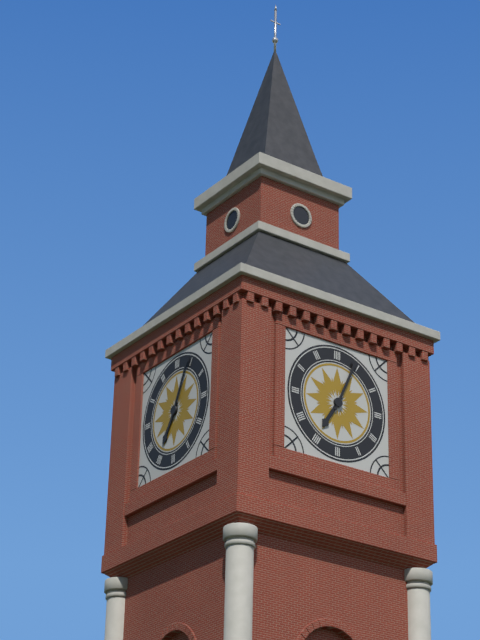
7.04
